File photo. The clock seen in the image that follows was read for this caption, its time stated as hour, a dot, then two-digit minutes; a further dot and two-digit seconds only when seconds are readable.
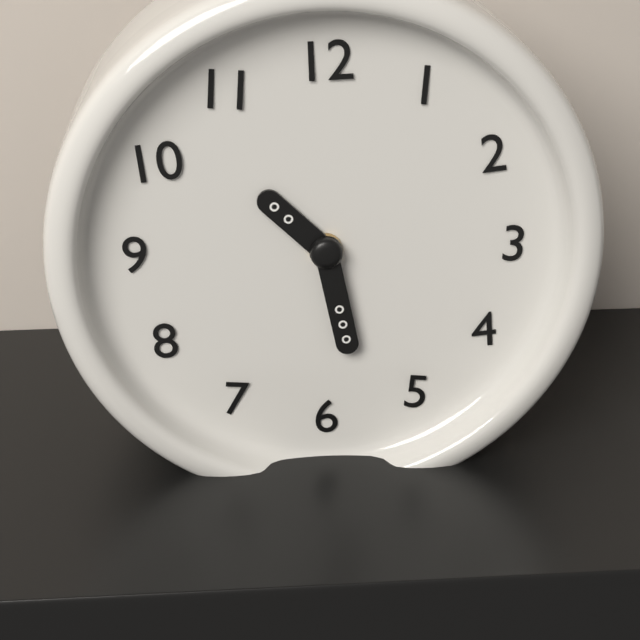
10.28
